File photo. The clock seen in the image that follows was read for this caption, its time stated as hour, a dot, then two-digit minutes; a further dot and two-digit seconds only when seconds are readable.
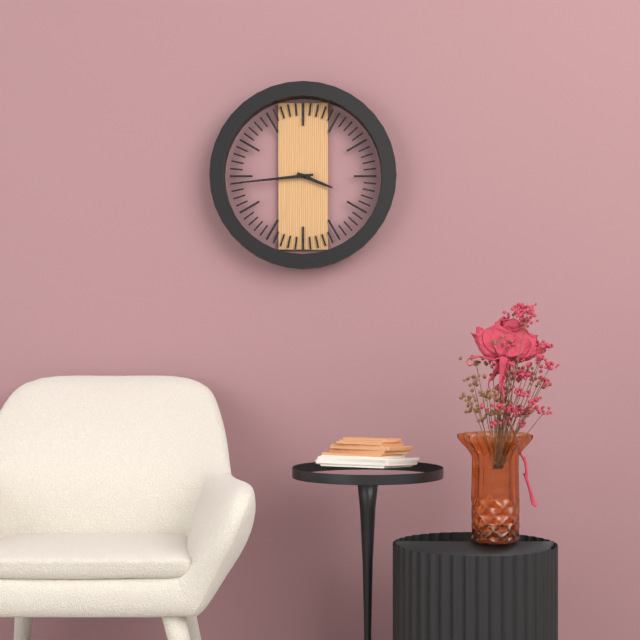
3.44
